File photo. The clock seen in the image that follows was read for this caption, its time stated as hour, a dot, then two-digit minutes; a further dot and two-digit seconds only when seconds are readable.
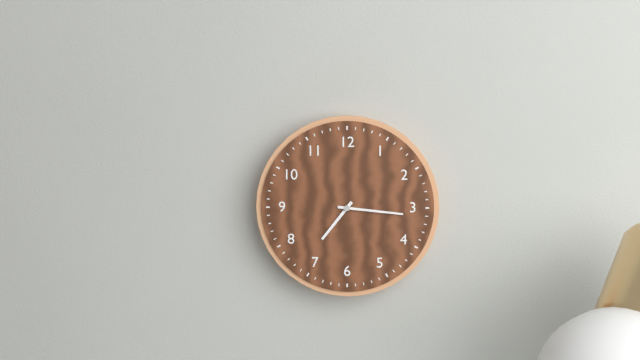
7.16
